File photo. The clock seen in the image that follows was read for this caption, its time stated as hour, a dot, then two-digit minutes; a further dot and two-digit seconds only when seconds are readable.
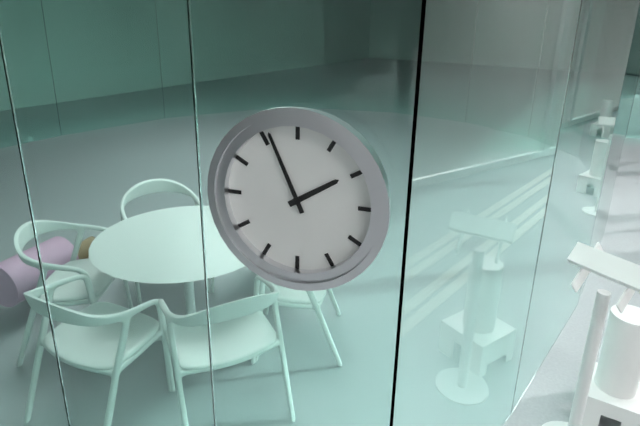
1.56
